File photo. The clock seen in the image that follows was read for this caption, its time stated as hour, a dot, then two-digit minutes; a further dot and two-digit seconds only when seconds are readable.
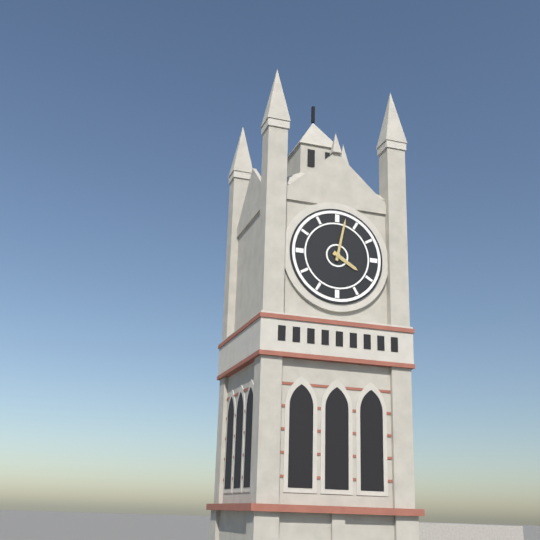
4.02
